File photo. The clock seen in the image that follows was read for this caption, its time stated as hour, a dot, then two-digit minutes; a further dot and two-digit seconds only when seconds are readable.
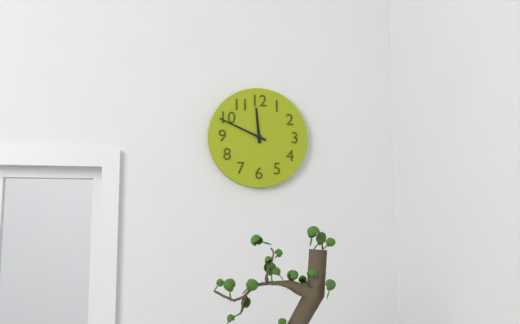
11.49
